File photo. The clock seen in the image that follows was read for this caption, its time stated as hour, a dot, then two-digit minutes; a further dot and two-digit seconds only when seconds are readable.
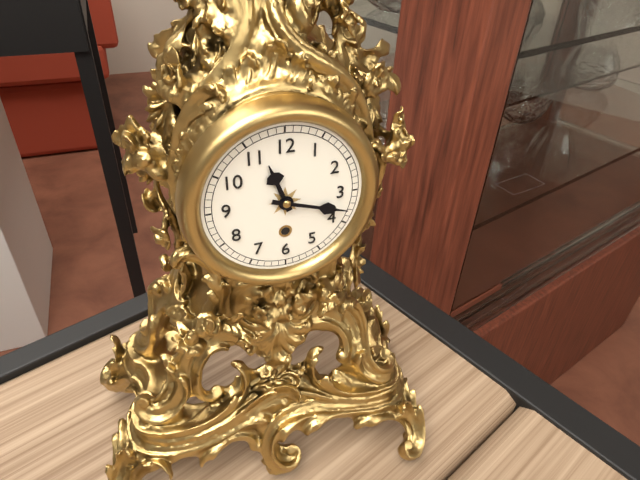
11.18
